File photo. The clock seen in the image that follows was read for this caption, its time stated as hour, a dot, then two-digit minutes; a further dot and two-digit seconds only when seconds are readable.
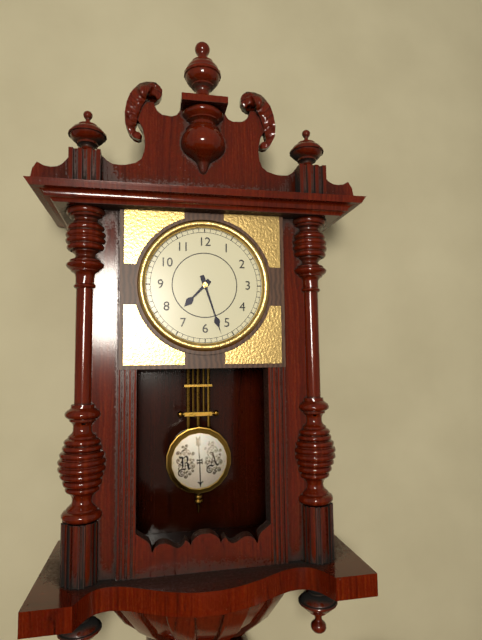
7.27
